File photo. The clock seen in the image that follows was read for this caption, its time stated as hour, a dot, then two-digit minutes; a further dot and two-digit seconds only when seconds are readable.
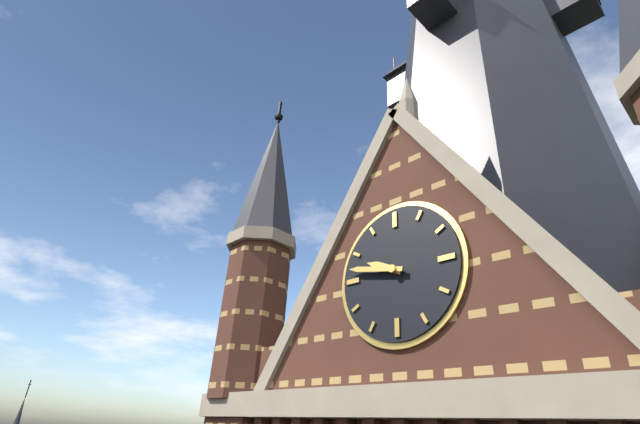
9.47
